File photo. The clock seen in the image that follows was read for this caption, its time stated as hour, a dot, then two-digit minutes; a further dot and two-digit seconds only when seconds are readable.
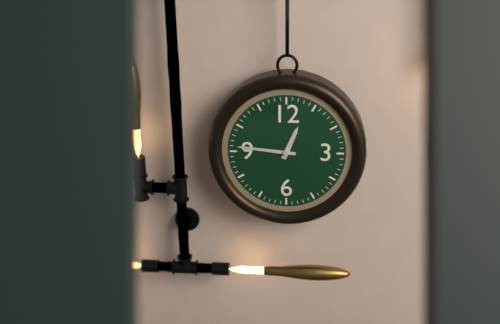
12.46
